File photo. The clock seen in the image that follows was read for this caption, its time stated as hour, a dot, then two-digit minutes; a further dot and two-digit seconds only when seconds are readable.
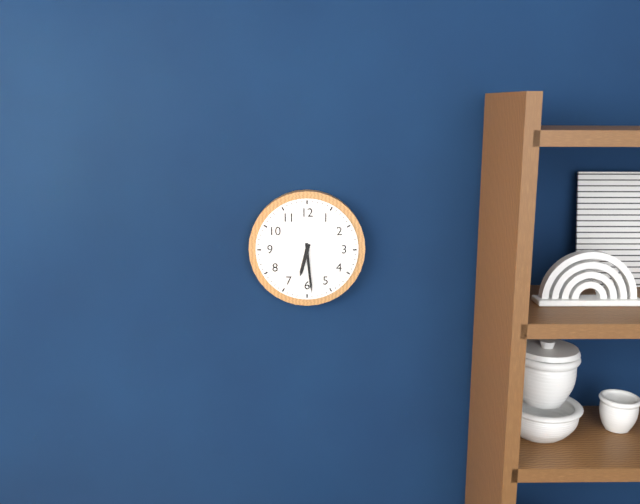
6.29
